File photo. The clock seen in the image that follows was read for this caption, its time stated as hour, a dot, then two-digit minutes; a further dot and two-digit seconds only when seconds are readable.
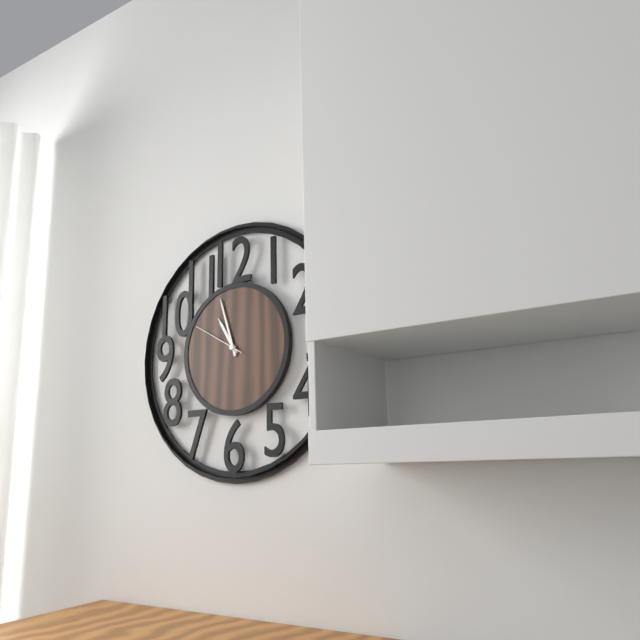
10.57.50
